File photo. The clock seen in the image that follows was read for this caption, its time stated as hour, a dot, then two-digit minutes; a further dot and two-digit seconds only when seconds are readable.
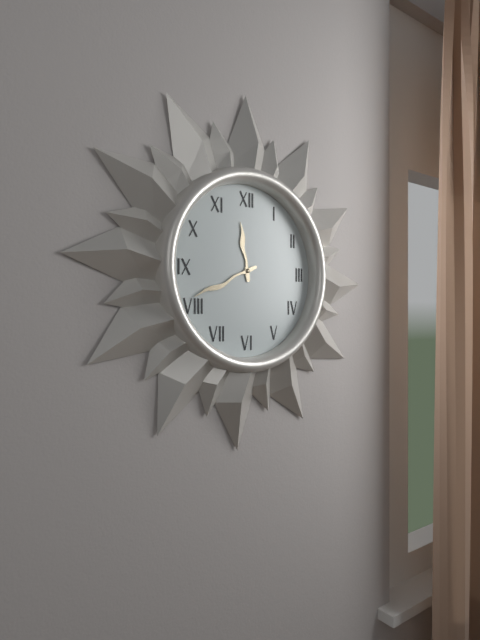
11.41
